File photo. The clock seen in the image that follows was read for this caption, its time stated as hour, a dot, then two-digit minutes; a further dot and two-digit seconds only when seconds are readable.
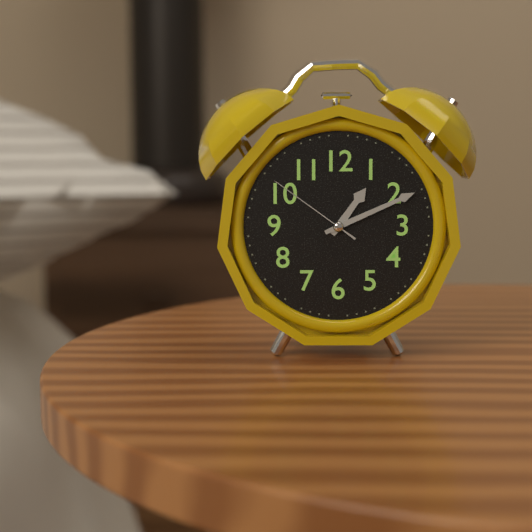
1.11.51
